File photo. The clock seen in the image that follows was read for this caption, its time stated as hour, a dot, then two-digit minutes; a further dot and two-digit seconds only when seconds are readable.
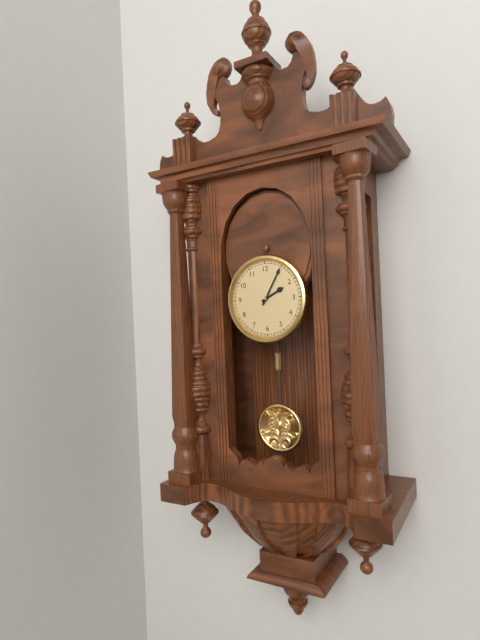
2.05
